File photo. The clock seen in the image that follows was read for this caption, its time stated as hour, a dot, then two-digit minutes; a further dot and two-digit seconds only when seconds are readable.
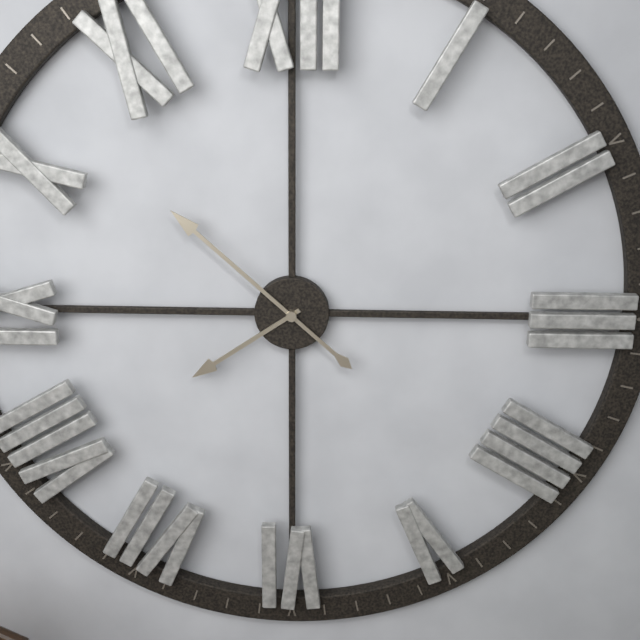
7.52
